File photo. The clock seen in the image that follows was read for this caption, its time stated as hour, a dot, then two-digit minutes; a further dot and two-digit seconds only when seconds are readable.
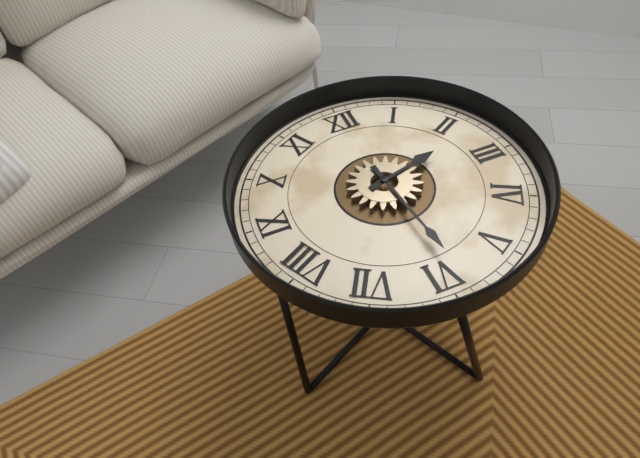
2.29
